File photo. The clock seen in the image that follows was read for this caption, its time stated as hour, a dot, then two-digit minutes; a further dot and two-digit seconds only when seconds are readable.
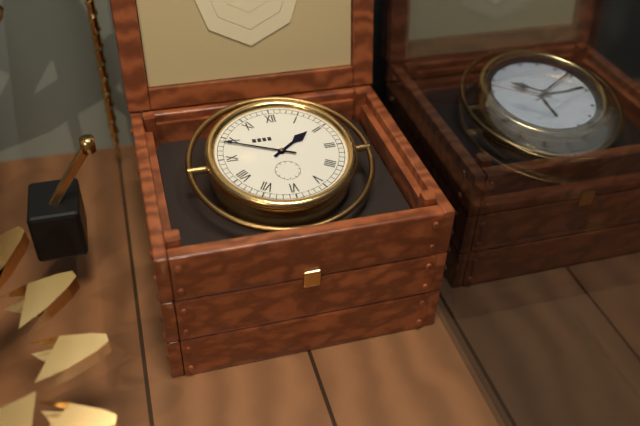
1.49
